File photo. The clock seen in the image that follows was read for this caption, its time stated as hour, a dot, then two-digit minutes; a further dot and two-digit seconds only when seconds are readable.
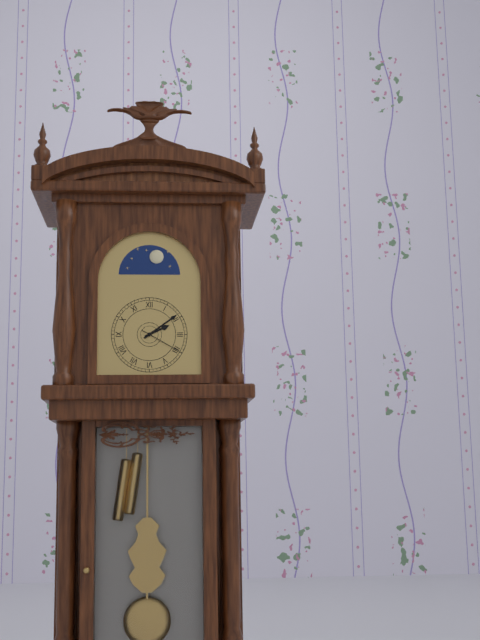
2.09
